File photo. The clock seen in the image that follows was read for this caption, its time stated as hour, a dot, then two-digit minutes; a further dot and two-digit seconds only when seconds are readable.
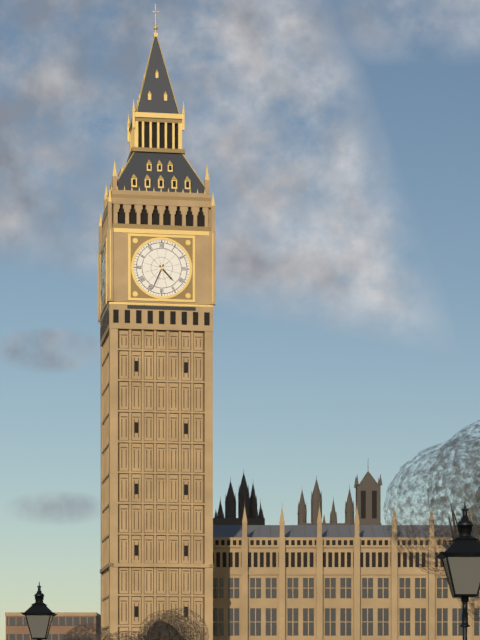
4.34
